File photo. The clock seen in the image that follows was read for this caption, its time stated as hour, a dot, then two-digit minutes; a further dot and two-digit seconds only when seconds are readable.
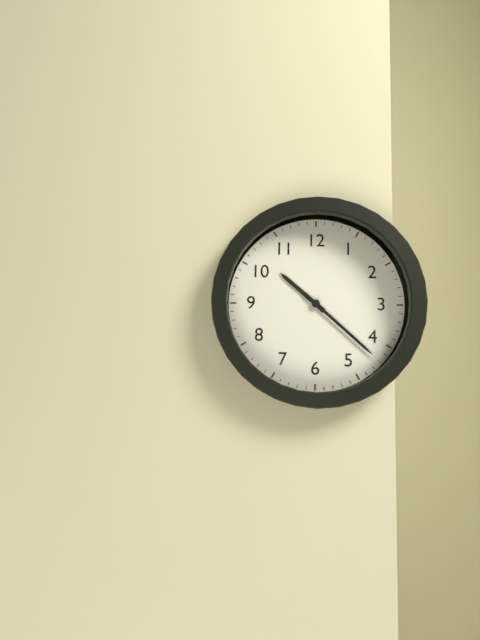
10.22
